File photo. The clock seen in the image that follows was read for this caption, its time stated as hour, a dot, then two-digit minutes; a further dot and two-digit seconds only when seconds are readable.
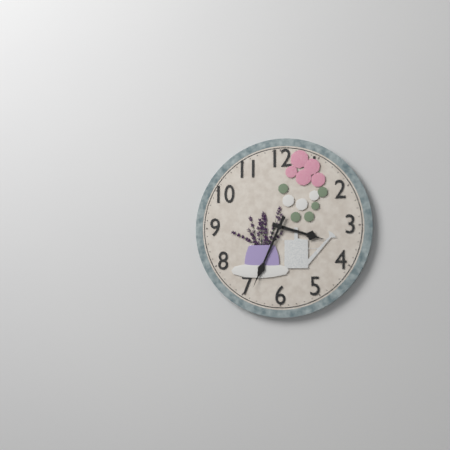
3.34
